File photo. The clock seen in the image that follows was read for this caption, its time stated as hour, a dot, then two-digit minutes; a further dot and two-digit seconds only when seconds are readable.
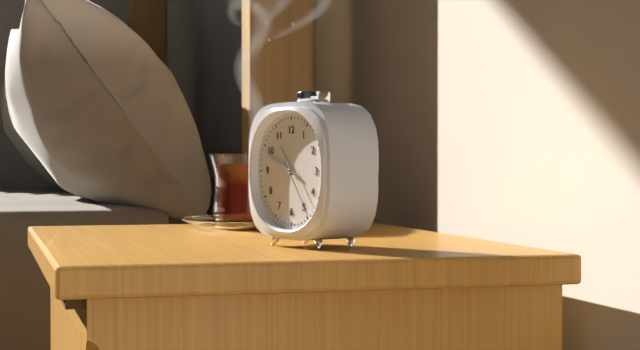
10.49.24
